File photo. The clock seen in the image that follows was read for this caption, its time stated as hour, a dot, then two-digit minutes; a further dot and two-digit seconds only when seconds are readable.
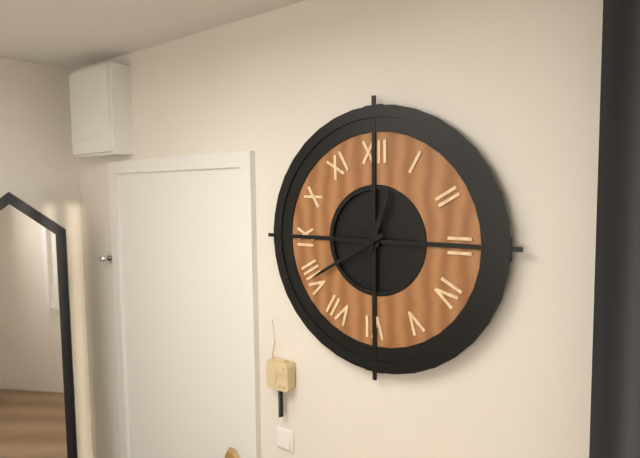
12.40
